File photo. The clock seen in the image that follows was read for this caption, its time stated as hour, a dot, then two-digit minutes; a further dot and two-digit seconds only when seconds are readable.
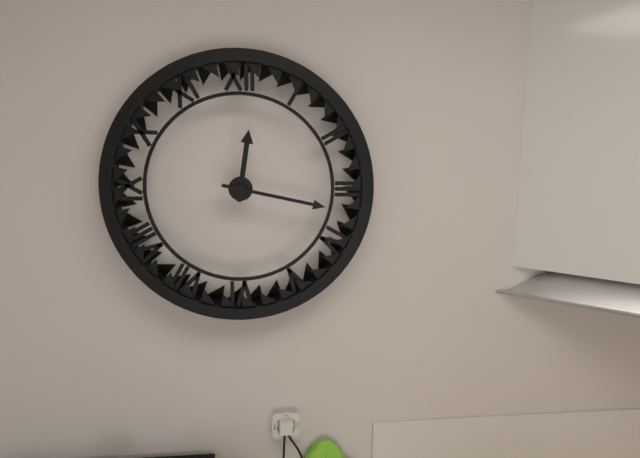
12.17
